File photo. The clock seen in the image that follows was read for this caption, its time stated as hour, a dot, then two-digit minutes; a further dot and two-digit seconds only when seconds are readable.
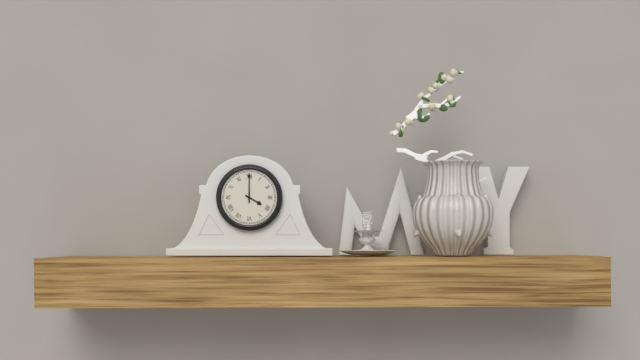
4.00
